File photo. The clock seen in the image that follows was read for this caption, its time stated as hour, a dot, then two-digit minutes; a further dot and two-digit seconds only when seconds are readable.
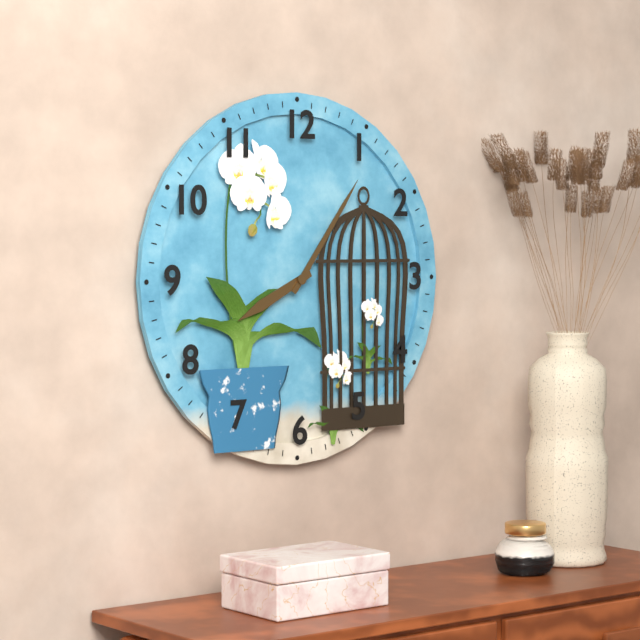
8.06
